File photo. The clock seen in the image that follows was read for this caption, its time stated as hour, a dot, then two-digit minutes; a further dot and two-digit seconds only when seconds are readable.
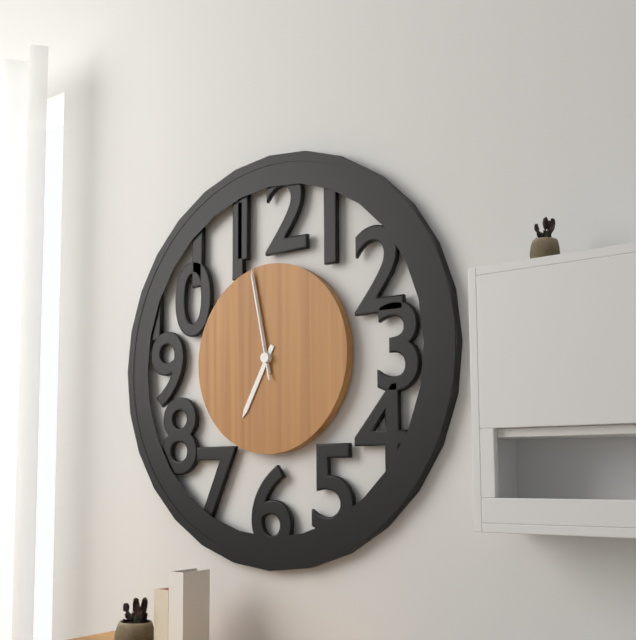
6.58.58
